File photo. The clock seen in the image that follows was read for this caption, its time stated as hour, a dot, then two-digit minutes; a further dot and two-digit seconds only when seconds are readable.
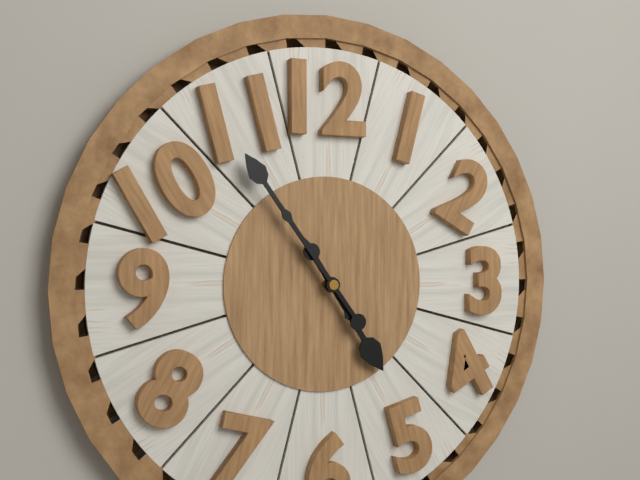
4.54
